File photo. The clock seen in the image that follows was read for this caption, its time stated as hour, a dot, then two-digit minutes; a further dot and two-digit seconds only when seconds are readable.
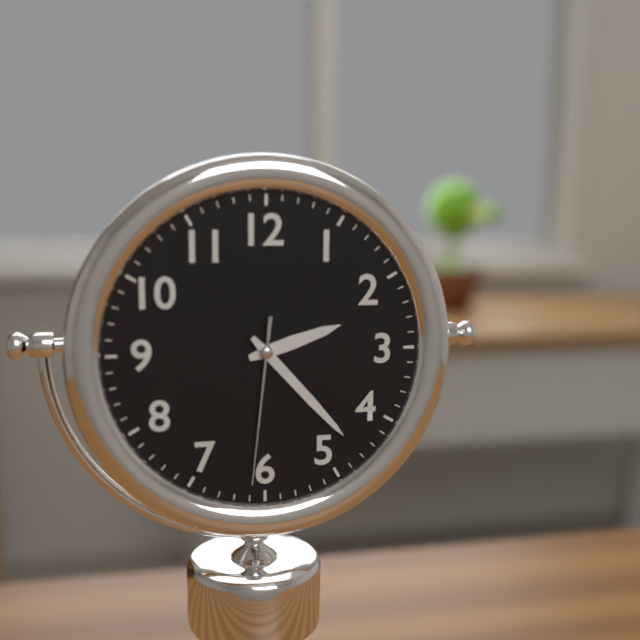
2.23.31
